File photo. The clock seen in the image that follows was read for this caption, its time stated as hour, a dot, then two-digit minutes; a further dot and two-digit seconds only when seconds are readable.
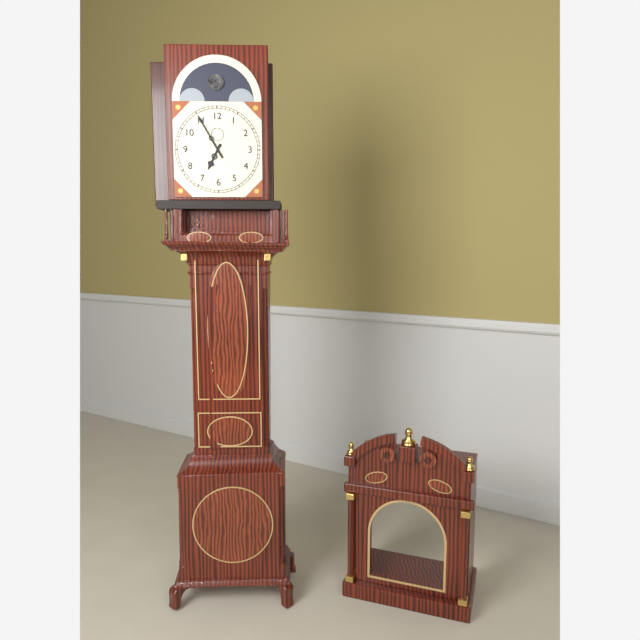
6.55
